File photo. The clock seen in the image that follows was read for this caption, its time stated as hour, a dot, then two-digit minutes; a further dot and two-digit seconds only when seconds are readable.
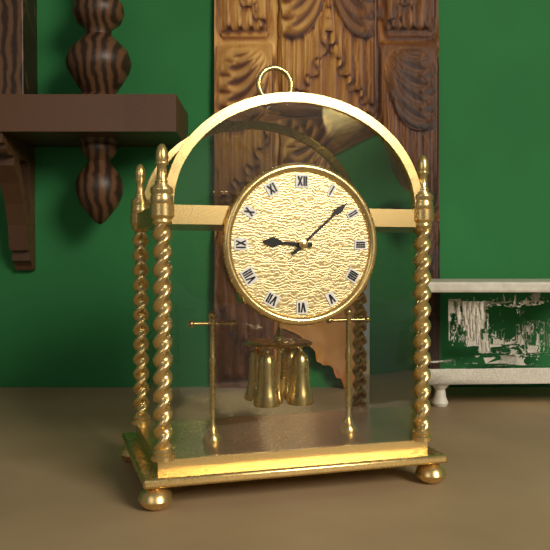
9.08
